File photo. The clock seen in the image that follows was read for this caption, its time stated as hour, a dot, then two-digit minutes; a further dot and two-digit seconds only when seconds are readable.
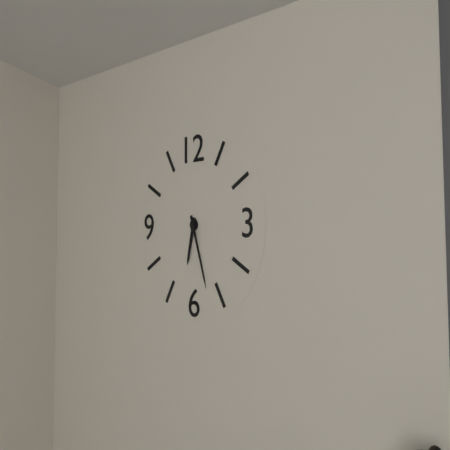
6.27
